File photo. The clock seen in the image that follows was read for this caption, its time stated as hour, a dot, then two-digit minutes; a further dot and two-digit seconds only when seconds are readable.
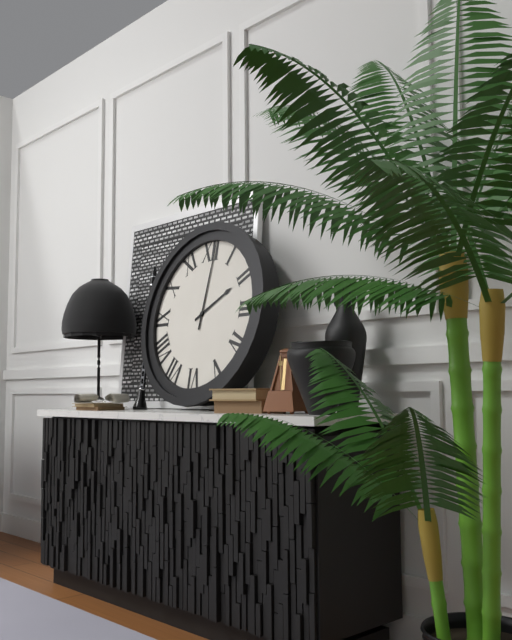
2.01
